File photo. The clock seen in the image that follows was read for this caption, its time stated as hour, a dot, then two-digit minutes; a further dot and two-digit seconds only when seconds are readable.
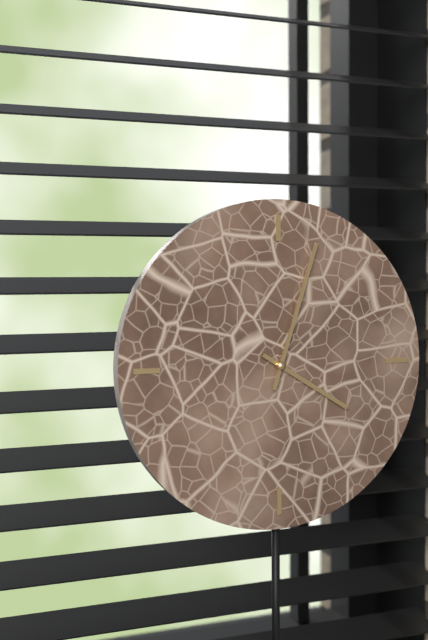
4.03
